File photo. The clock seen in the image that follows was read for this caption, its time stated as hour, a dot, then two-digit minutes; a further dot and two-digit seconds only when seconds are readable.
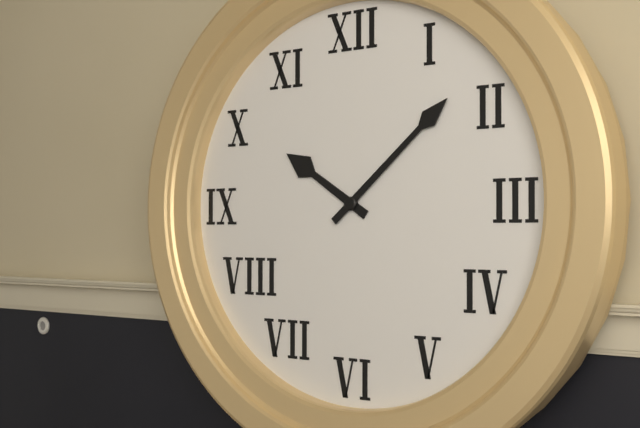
10.08
